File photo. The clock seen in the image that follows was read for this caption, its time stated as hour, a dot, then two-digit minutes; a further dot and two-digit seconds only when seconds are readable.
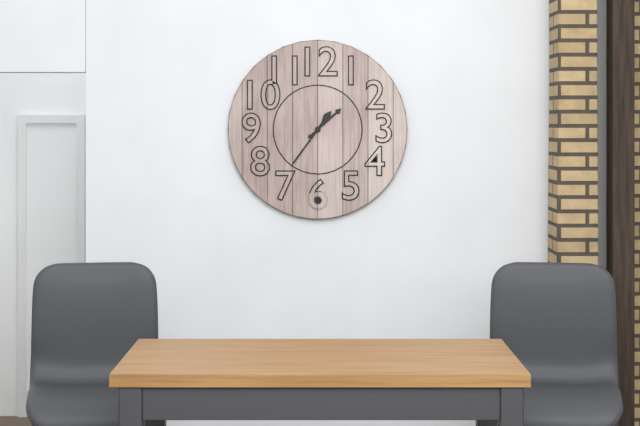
1.36
